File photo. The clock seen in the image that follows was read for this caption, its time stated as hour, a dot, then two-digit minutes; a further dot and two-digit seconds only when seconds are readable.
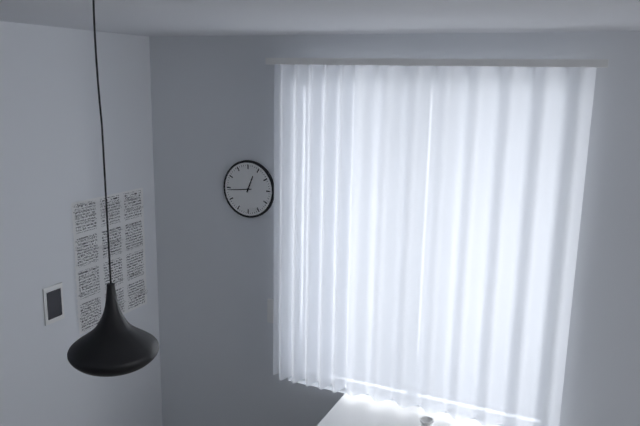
12.44
